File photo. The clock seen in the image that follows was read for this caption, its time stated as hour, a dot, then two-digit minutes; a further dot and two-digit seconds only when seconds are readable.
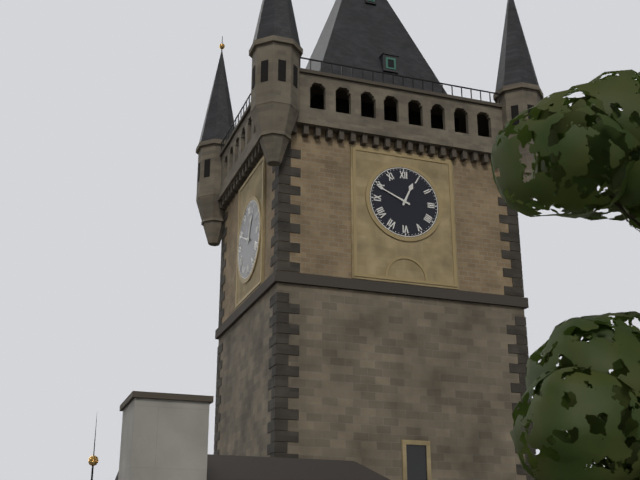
12.49
